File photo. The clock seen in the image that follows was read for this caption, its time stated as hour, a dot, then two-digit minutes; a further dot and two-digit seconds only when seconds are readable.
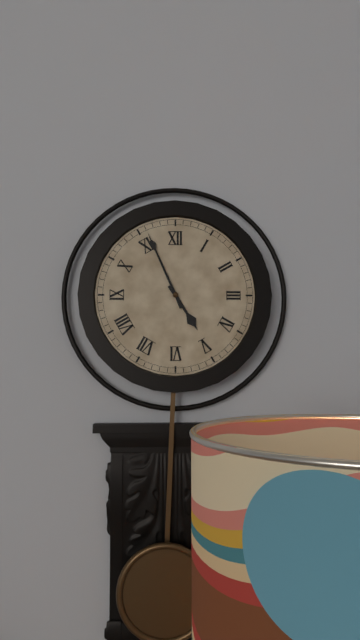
4.56
